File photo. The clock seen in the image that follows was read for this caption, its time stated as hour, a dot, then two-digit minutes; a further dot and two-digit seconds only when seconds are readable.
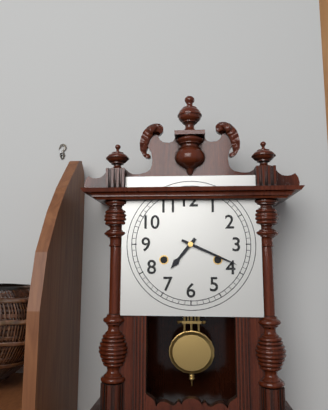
7.19
